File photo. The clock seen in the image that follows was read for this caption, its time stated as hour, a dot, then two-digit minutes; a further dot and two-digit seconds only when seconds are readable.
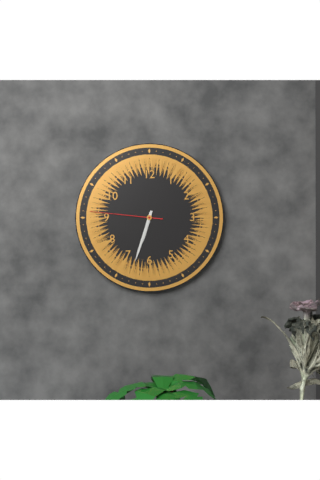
6.33.46
